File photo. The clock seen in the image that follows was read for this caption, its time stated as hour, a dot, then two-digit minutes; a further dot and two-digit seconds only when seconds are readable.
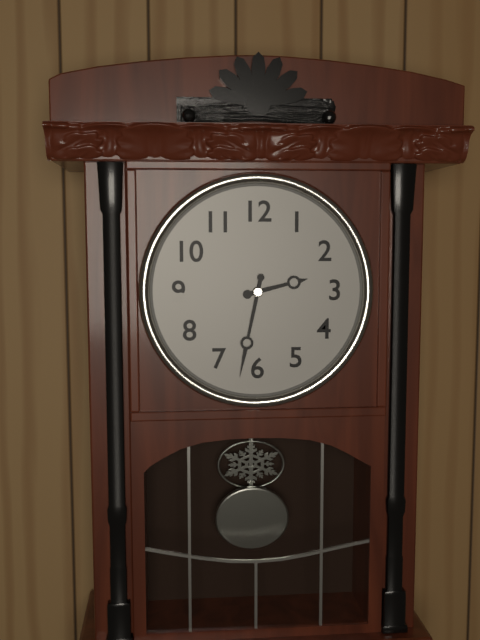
2.32
